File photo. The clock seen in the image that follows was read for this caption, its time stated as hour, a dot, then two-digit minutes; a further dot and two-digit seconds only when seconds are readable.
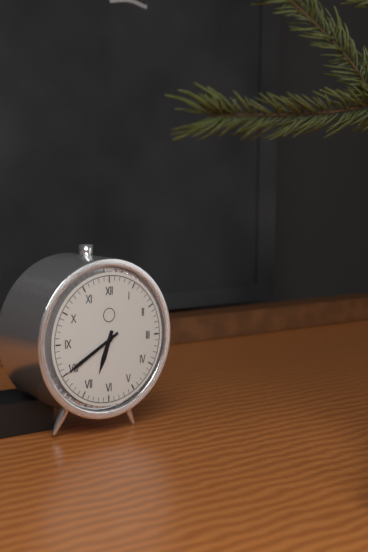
6.40
